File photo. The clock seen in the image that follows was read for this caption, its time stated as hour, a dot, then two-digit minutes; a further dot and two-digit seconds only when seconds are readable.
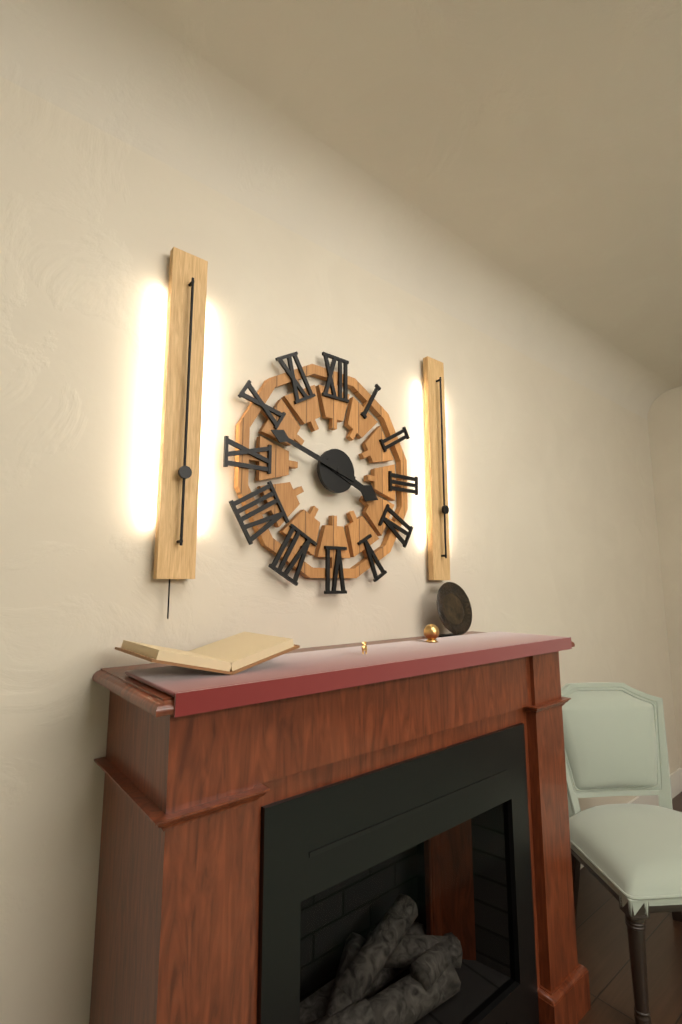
3.48
